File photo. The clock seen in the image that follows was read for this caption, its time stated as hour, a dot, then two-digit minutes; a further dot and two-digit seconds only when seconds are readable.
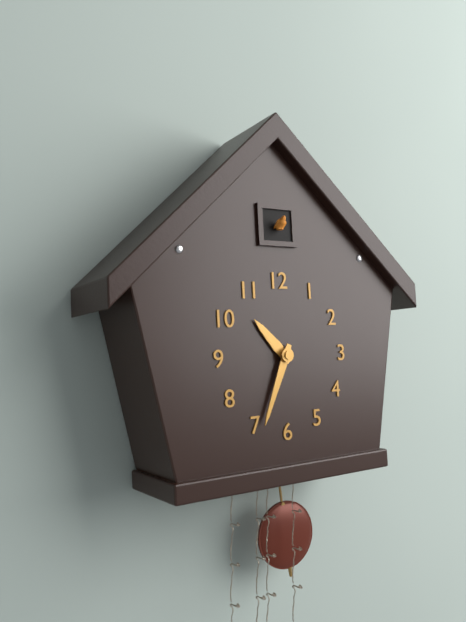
10.34
